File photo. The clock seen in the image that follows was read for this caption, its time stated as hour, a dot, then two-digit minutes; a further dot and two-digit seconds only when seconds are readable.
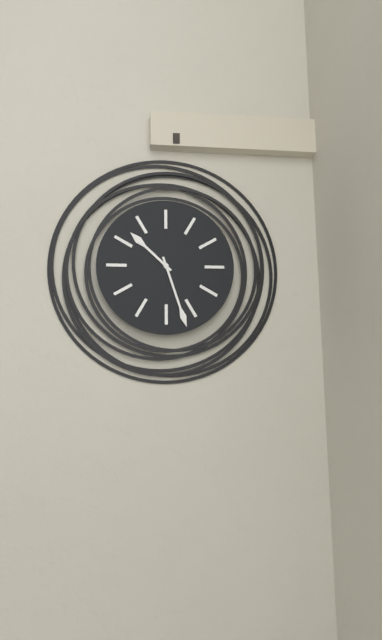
10.27
